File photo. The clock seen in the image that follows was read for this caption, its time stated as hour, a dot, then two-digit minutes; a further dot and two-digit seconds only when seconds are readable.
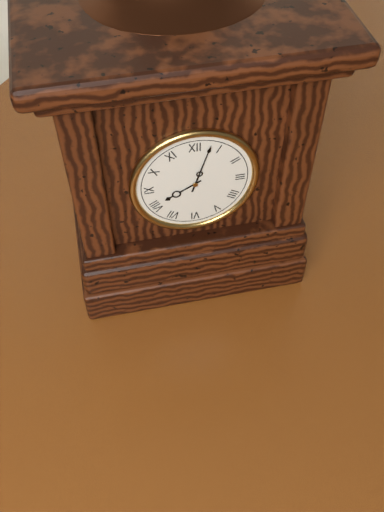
8.03
